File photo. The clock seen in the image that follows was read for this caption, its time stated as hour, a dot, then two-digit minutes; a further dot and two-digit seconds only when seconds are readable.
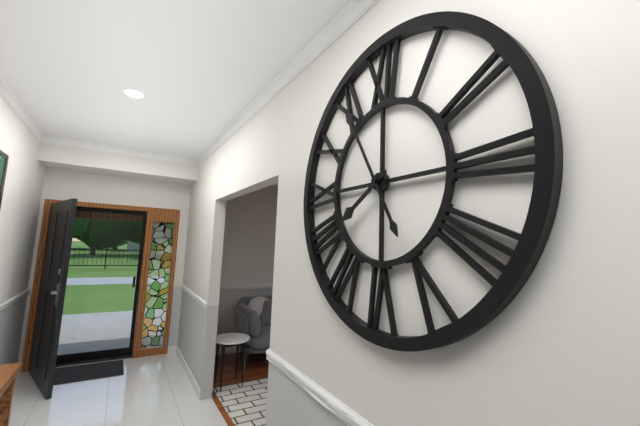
7.55
